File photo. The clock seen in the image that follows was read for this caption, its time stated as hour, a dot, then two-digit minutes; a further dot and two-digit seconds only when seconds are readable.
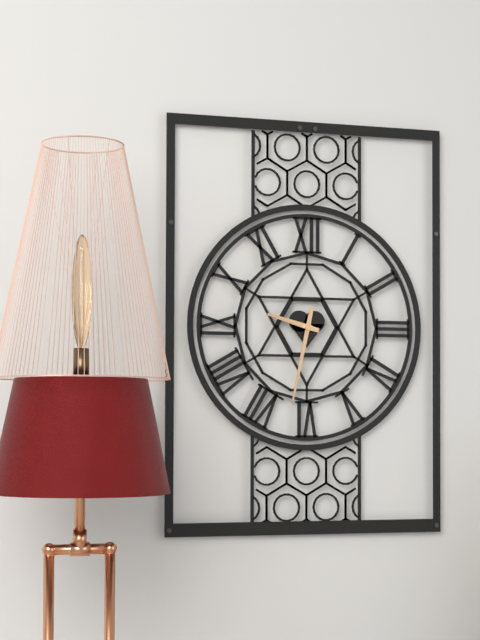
9.32
